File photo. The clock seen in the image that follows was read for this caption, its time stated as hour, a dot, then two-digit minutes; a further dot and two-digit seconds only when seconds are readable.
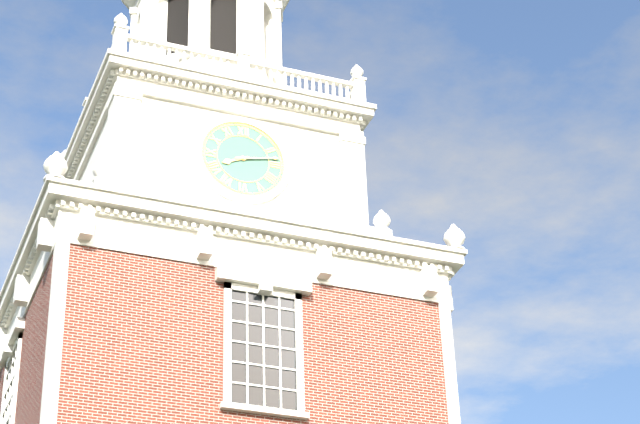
8.13
